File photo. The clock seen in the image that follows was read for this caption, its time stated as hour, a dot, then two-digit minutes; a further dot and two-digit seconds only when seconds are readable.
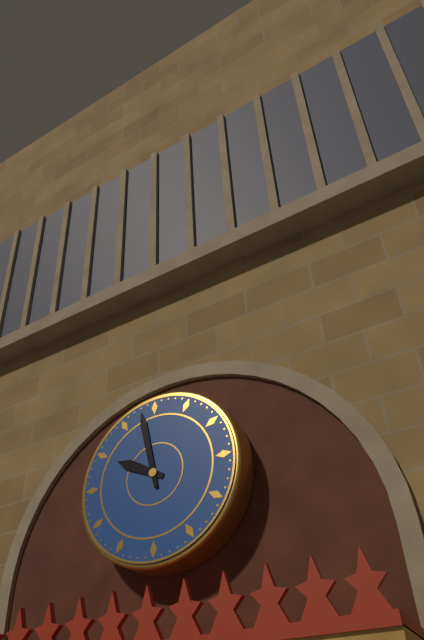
9.58
